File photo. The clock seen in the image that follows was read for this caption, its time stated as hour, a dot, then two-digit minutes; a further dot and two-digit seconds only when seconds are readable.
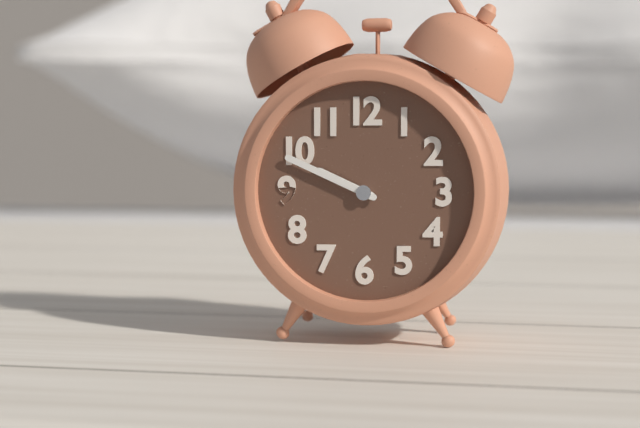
9.49
